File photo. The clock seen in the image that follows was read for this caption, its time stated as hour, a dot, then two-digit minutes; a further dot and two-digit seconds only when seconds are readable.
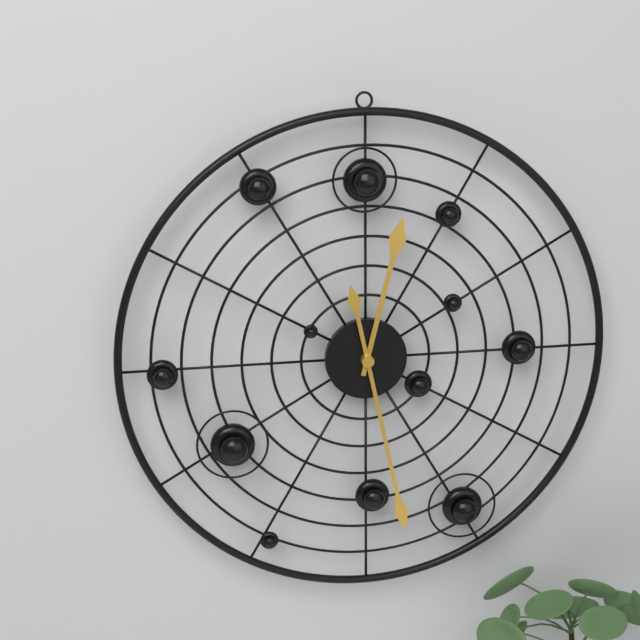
12.28
